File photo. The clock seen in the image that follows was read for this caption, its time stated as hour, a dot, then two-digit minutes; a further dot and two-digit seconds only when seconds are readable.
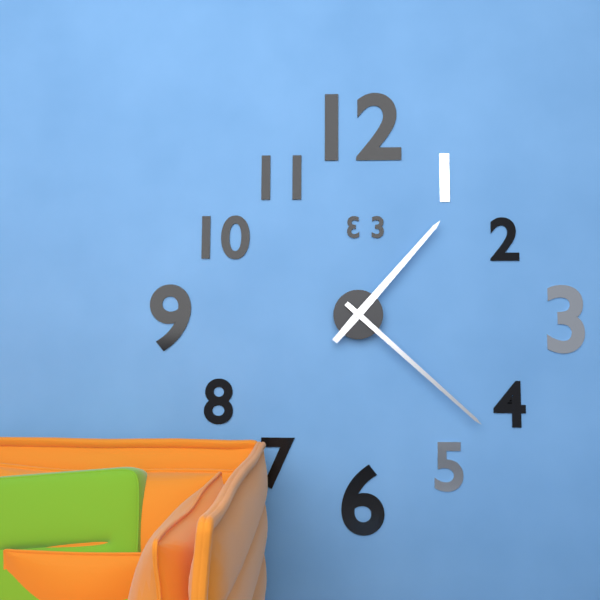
1.22
